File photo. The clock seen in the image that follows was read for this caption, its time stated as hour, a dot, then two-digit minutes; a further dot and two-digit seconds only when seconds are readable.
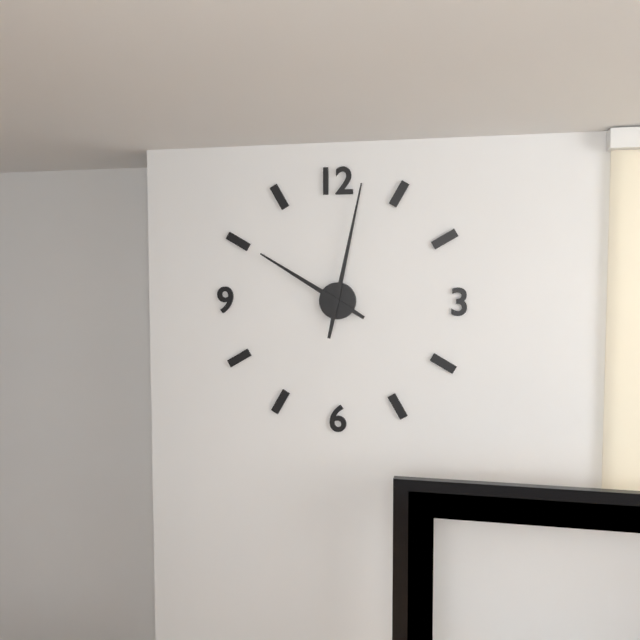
10.02
